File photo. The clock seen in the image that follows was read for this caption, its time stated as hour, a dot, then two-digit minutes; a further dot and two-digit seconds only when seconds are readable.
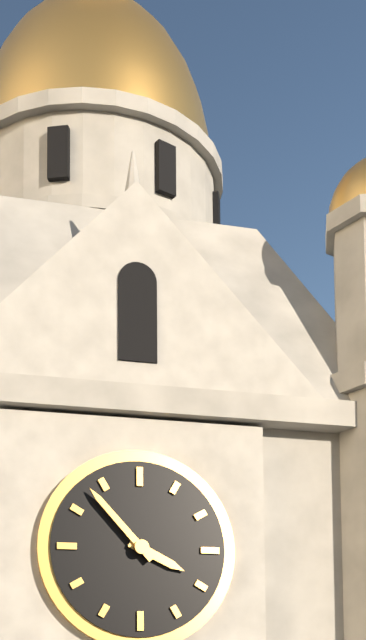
3.53
